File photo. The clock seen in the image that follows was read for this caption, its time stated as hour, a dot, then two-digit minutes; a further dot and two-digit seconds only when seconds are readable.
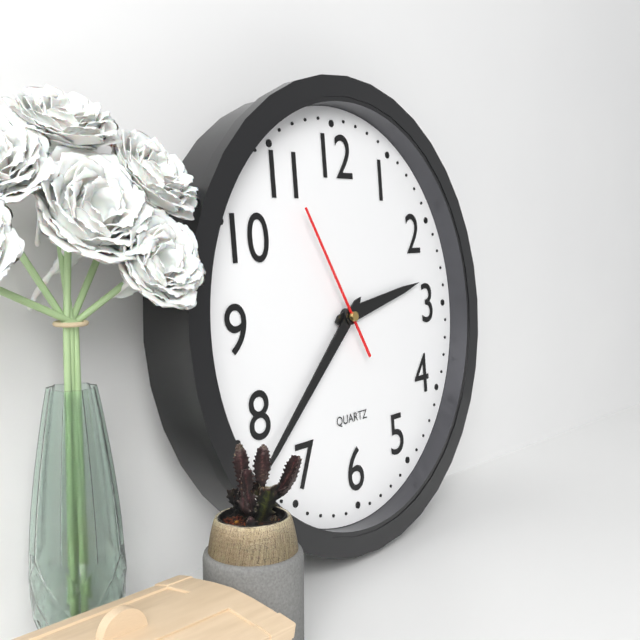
2.38.55
